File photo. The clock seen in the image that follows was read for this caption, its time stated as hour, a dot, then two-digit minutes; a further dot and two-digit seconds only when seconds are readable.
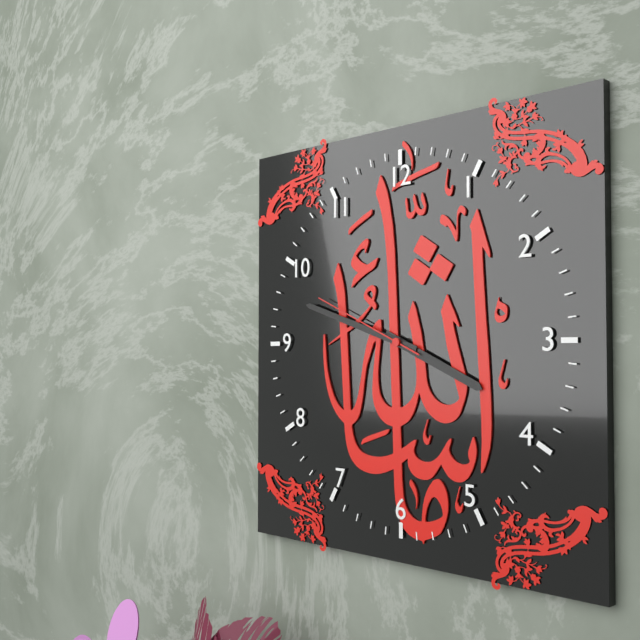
3.48.49
